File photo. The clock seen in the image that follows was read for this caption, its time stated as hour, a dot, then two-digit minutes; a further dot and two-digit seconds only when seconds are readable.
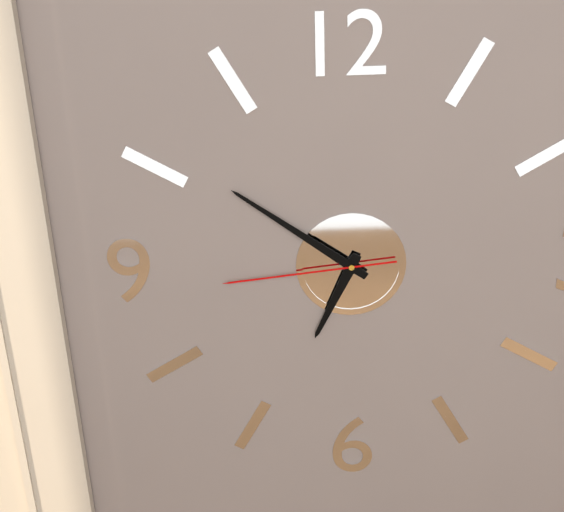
6.51.44
